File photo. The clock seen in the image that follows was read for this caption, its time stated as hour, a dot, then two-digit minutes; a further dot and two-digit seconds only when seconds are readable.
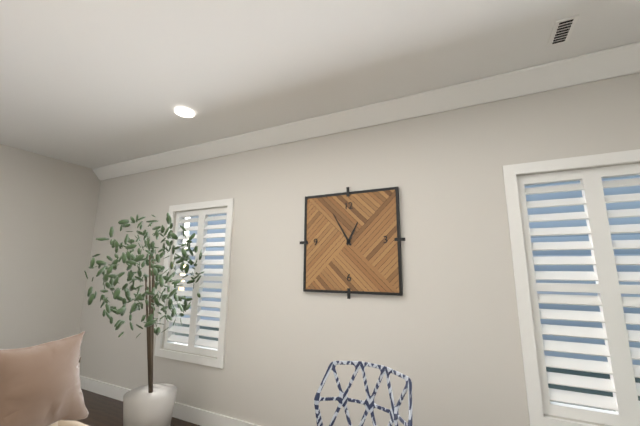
12.55
